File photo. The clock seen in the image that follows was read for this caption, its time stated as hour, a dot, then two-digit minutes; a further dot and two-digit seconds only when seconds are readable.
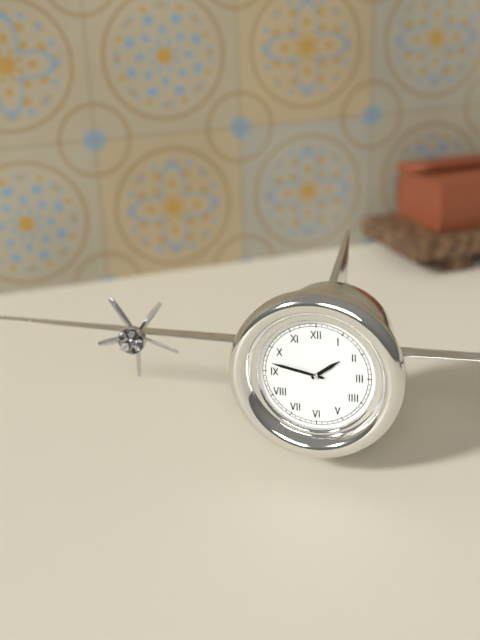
1.47
